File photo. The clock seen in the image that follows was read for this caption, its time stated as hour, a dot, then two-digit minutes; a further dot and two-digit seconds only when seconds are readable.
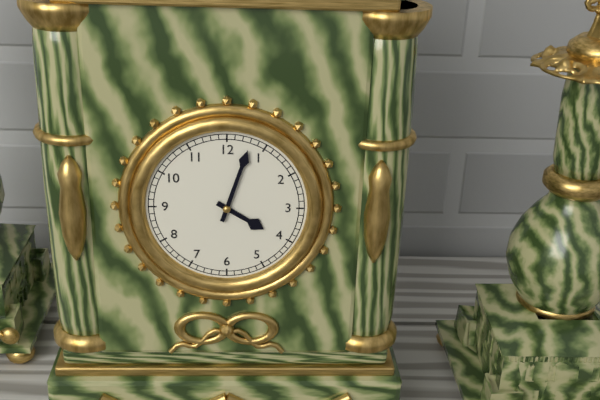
4.03
